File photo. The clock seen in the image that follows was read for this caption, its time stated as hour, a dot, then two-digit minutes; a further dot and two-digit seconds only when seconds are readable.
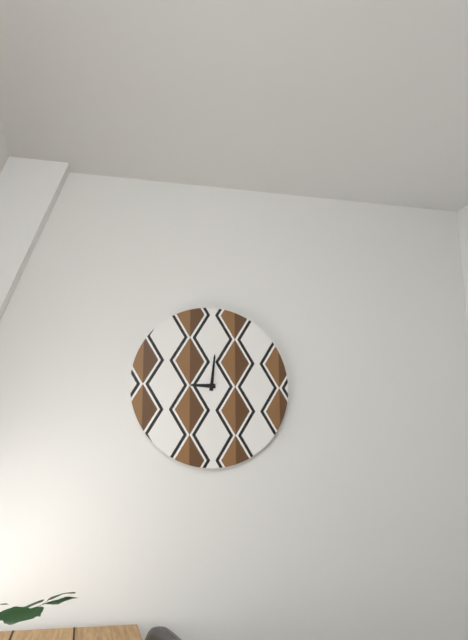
9.01
